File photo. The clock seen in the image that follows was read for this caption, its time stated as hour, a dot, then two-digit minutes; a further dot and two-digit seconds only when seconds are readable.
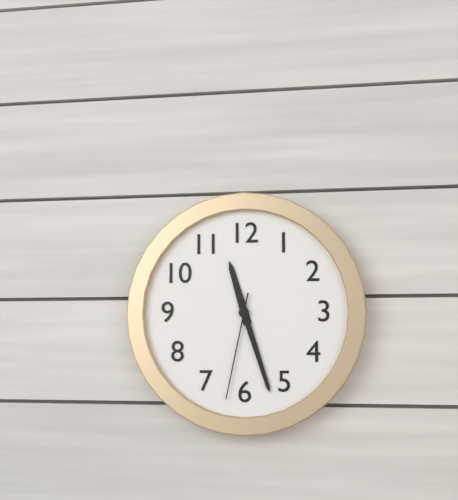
11.27.32
